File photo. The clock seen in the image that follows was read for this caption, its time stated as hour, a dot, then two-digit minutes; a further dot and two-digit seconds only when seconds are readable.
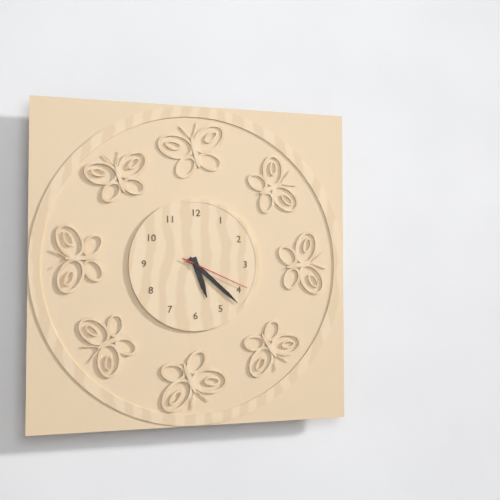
5.22.19
